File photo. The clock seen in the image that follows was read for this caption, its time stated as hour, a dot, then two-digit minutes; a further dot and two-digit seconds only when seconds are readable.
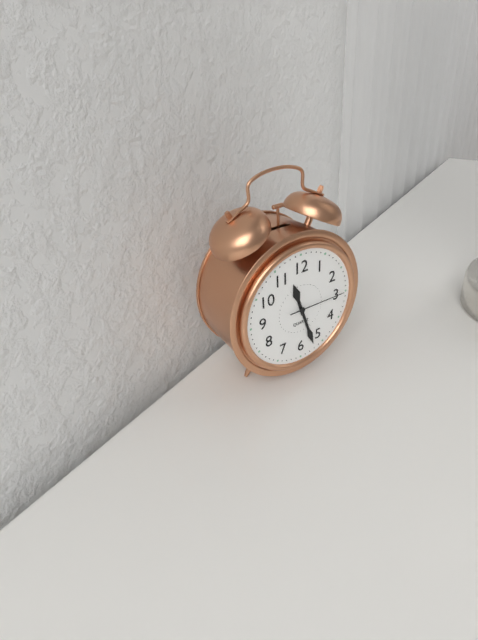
11.27.15
